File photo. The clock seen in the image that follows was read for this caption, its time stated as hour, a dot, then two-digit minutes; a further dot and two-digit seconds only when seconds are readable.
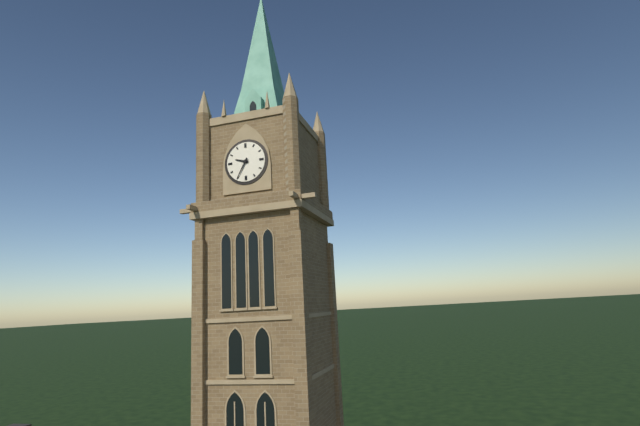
9.35
